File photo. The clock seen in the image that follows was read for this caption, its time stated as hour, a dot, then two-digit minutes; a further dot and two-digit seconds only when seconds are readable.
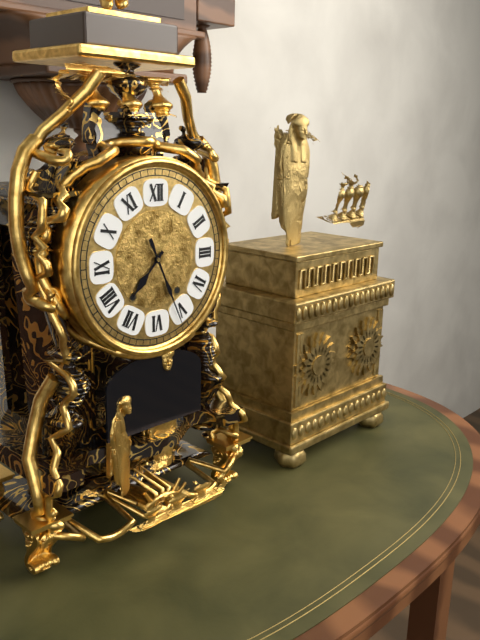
7.26
